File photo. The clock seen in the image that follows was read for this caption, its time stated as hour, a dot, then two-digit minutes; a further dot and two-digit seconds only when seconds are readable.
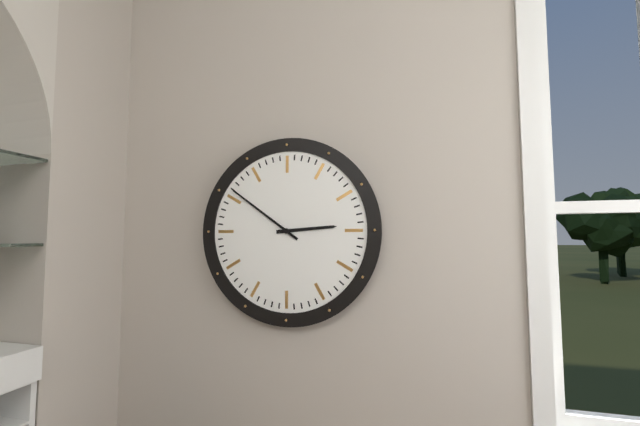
2.51
